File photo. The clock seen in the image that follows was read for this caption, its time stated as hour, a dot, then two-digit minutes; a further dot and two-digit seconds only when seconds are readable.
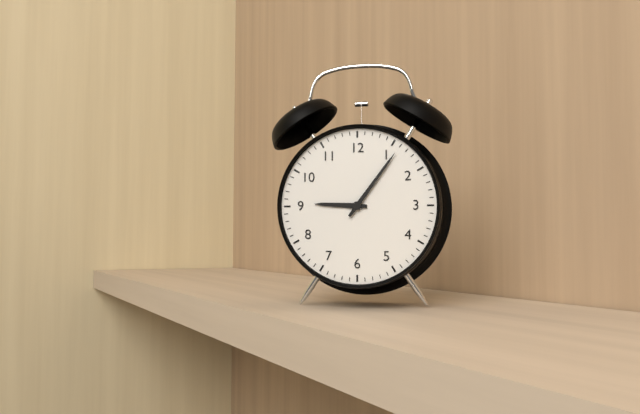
9.06
